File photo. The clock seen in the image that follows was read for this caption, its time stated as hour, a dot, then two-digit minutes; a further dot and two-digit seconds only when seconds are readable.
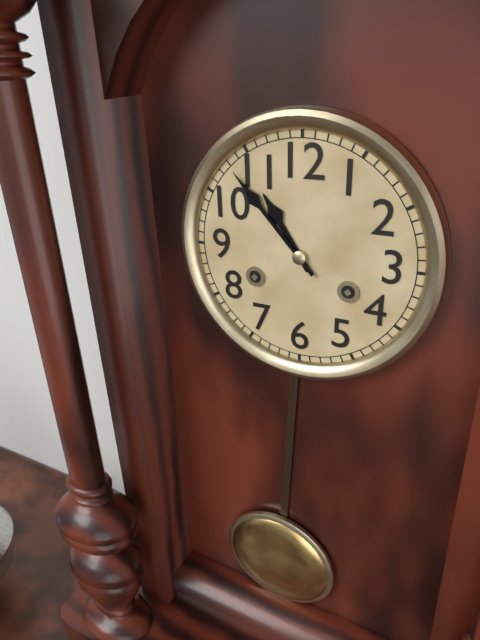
10.53
